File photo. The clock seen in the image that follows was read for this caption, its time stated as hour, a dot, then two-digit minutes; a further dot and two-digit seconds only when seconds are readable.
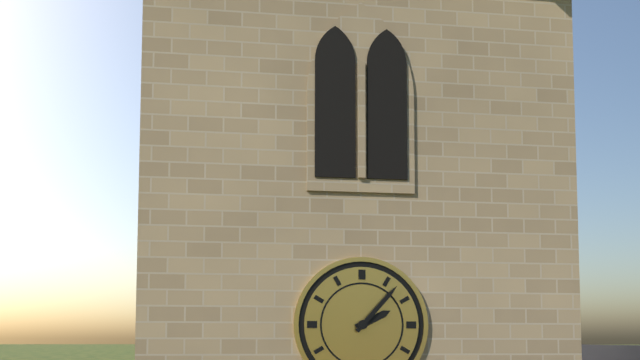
2.07
